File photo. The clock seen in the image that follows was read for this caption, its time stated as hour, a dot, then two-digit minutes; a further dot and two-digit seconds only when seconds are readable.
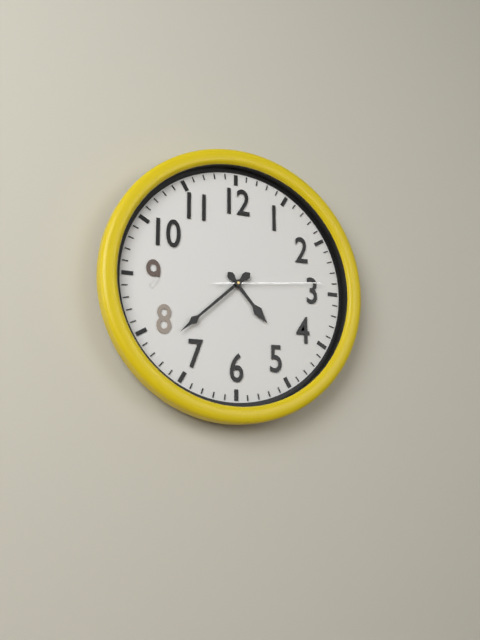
4.38.14
